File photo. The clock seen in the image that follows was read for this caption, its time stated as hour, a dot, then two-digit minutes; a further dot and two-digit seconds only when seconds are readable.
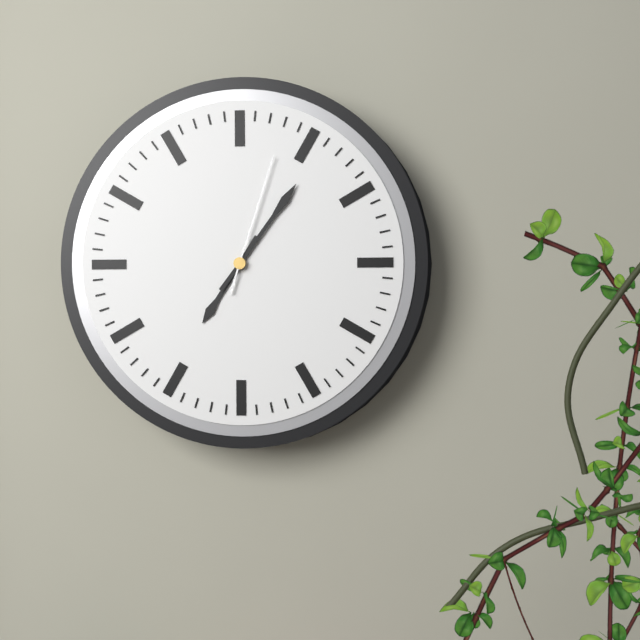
7.06.03
